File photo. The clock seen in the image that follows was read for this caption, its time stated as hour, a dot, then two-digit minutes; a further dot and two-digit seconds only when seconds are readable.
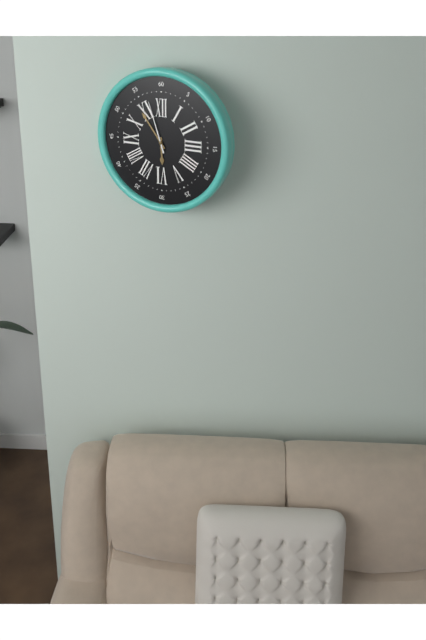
5.54.57
